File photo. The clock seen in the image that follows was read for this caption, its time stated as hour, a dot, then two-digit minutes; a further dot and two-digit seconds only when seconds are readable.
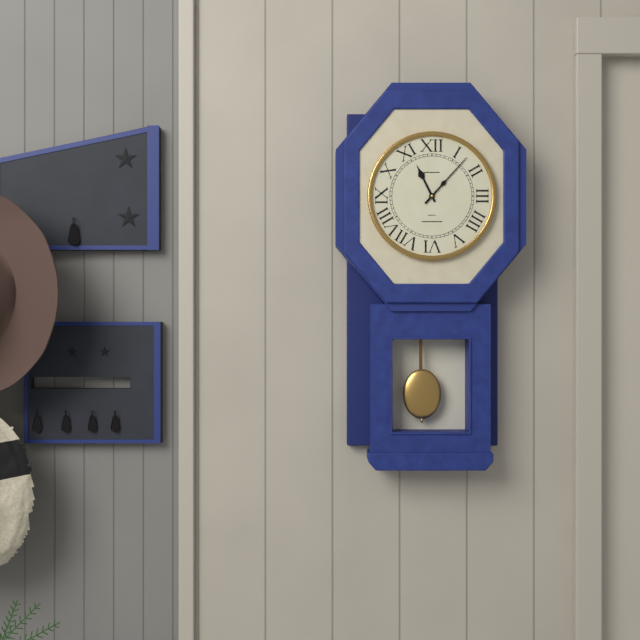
11.07
